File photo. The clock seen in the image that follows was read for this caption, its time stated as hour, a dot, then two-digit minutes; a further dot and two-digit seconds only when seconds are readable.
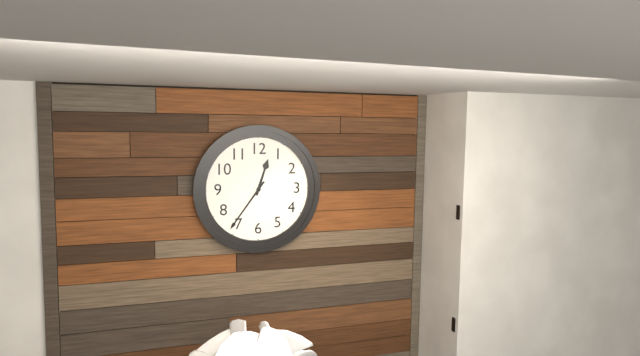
12.36
